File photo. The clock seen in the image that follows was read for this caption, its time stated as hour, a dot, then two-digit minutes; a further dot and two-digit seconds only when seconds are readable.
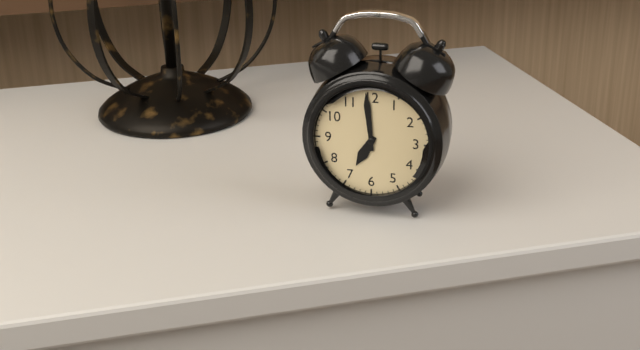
6.59
